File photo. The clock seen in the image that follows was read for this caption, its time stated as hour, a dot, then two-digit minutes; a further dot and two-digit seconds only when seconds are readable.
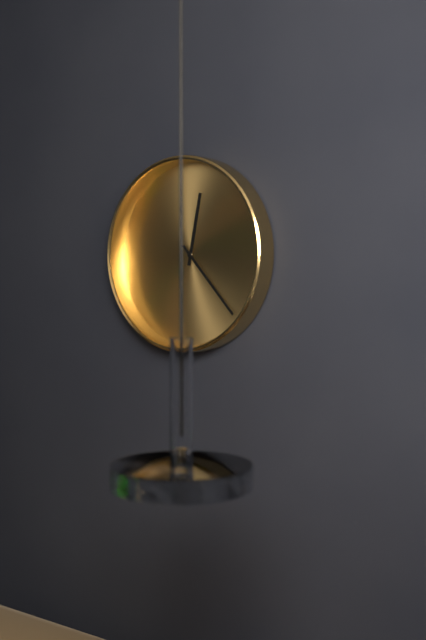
12.23
